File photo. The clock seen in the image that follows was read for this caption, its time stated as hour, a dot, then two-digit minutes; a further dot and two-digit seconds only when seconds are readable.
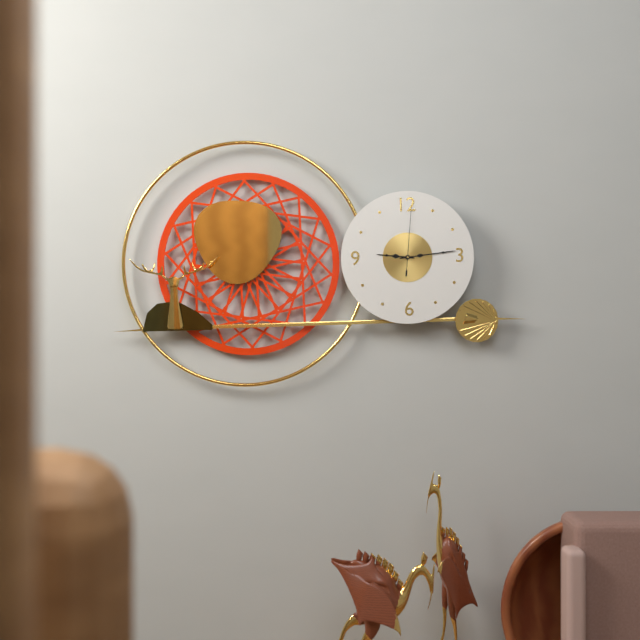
9.14.01
